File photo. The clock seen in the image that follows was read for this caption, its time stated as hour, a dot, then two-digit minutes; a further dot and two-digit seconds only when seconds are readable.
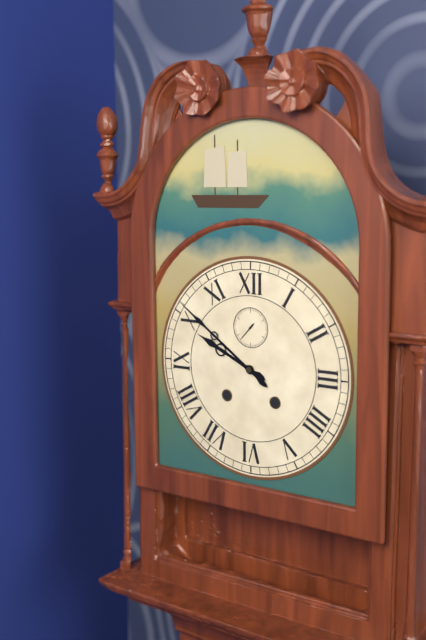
9.51
